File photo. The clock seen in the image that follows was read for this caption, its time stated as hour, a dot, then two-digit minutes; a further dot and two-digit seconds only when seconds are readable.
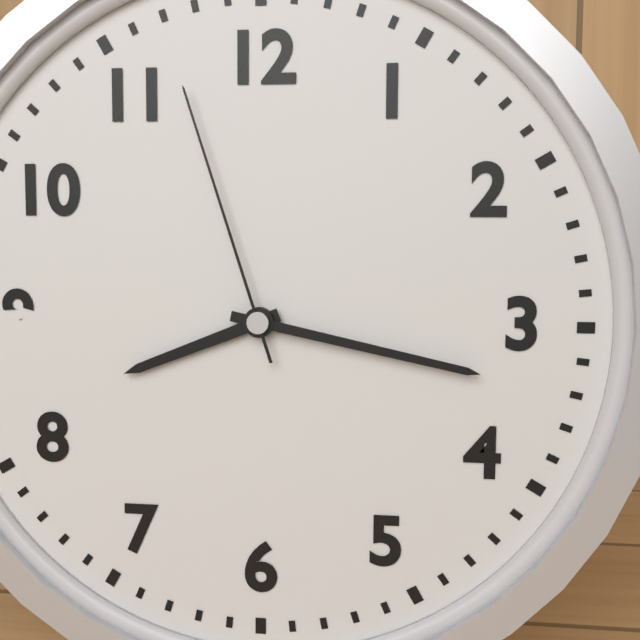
8.17.57
